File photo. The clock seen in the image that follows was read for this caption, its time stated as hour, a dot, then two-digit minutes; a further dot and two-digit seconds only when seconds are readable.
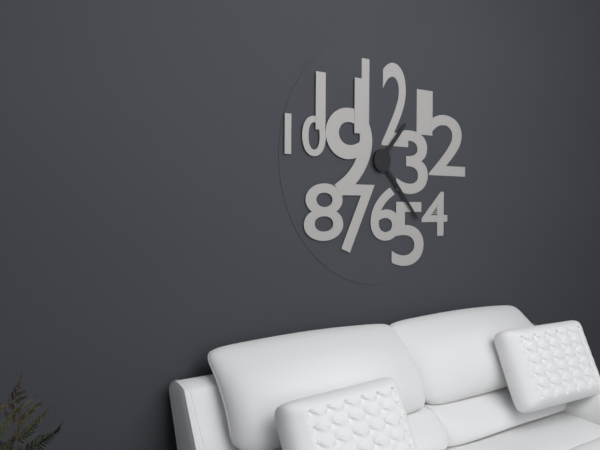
1.23
